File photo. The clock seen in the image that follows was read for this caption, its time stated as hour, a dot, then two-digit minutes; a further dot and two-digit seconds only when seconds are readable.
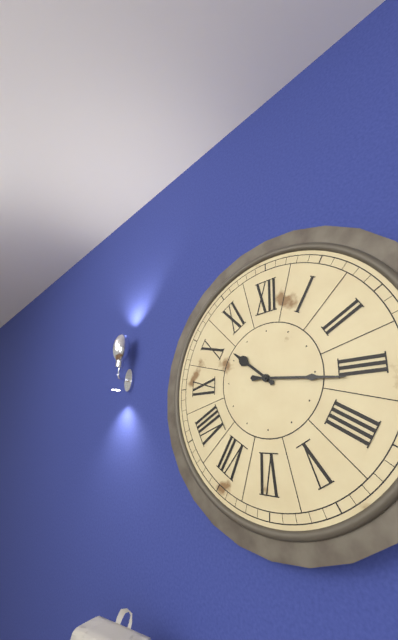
10.16
